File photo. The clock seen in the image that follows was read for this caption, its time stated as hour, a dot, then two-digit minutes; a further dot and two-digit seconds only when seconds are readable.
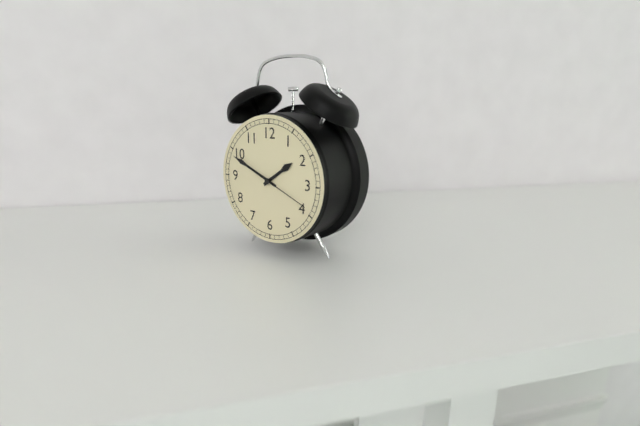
1.49.19
